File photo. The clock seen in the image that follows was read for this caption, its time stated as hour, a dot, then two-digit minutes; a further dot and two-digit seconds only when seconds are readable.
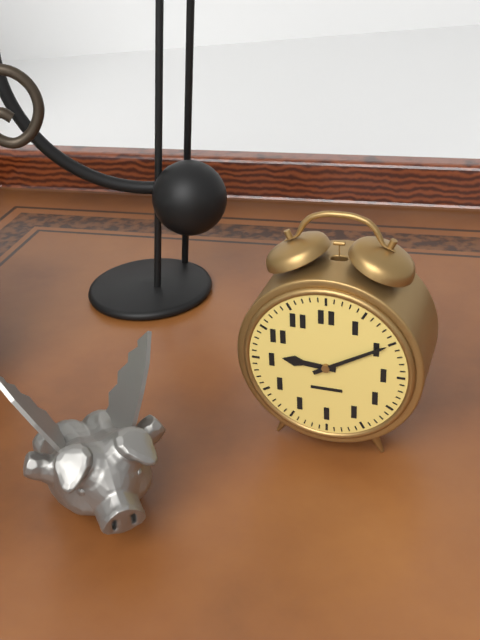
9.10
